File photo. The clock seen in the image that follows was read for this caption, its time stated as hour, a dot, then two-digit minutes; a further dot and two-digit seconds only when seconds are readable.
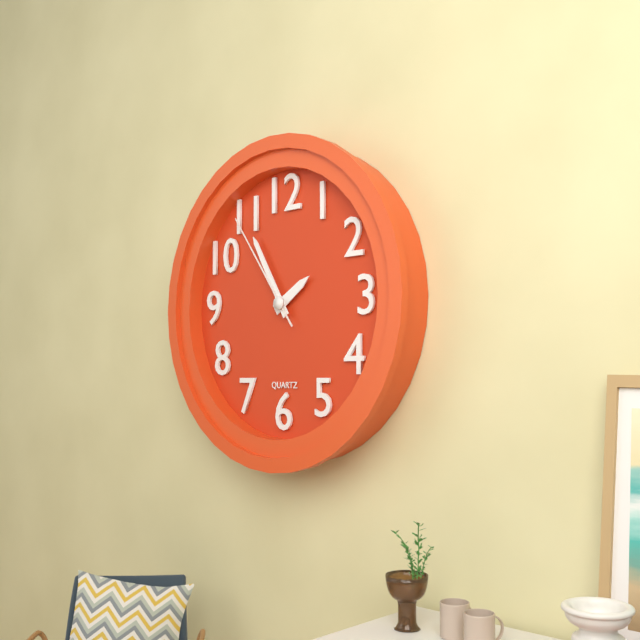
1.55.54
